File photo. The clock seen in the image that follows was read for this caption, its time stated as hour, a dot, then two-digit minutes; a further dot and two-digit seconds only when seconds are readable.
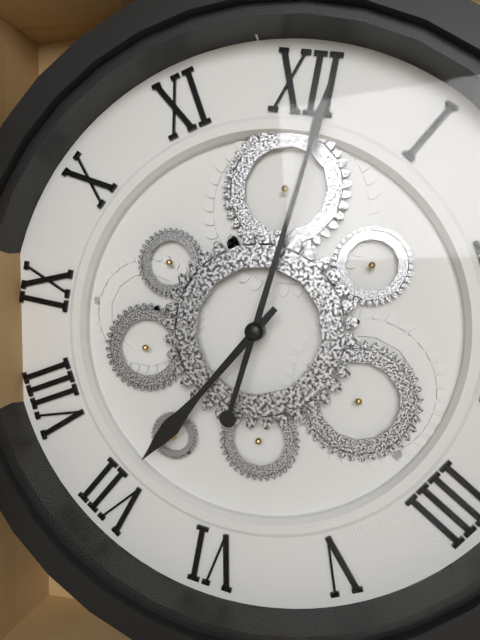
7.01
